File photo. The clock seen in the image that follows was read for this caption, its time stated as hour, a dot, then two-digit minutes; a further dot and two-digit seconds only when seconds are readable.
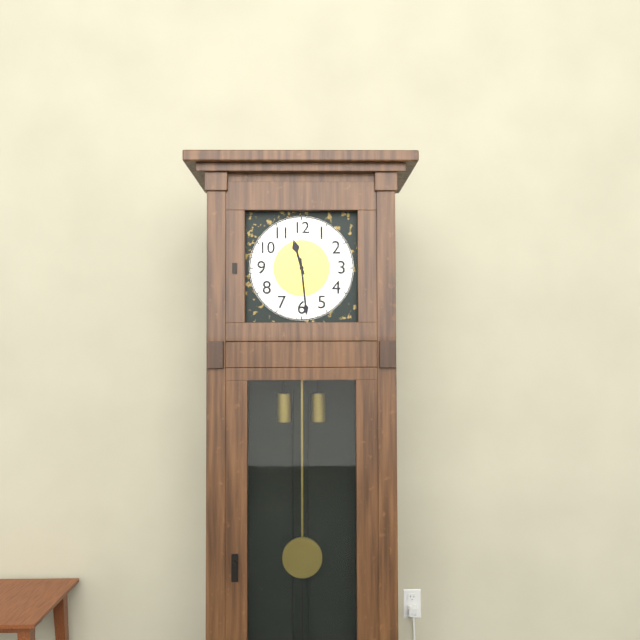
11.29
